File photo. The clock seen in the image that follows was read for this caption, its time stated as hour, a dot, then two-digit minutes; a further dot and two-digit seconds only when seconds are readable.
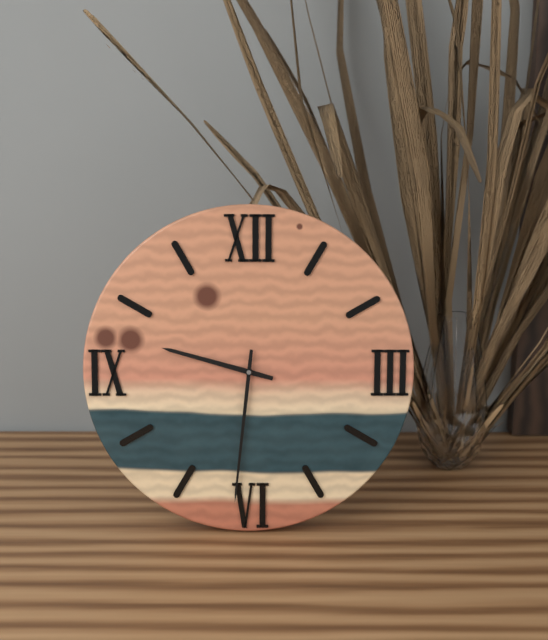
9.31
